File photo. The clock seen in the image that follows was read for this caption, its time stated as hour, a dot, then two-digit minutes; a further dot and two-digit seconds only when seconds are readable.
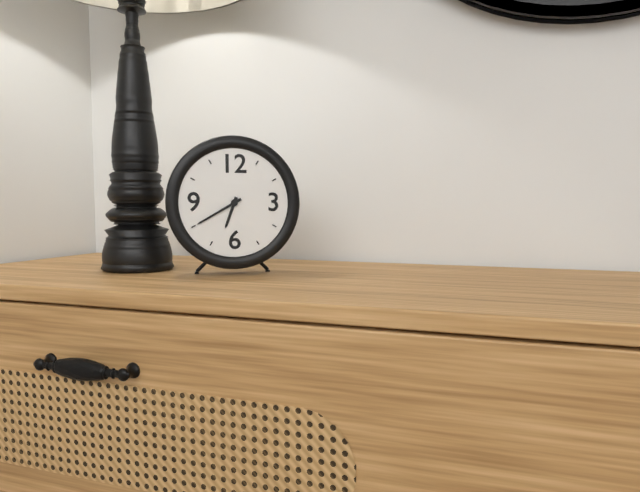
6.40
